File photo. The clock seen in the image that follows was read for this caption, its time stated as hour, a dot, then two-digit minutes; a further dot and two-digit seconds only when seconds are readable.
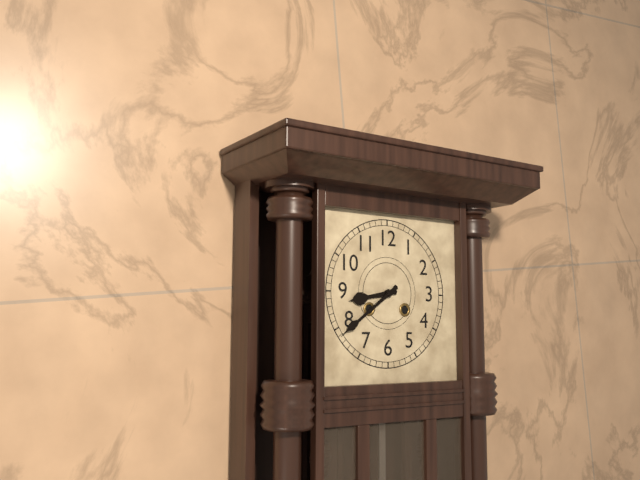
8.39
